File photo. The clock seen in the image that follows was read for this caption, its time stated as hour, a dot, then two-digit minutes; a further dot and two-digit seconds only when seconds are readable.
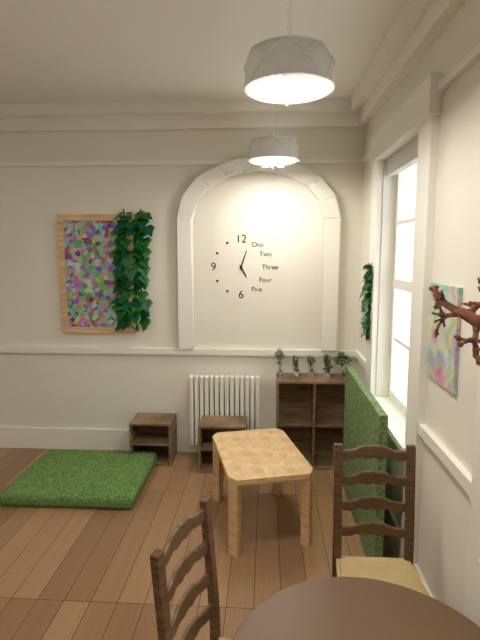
5.03
